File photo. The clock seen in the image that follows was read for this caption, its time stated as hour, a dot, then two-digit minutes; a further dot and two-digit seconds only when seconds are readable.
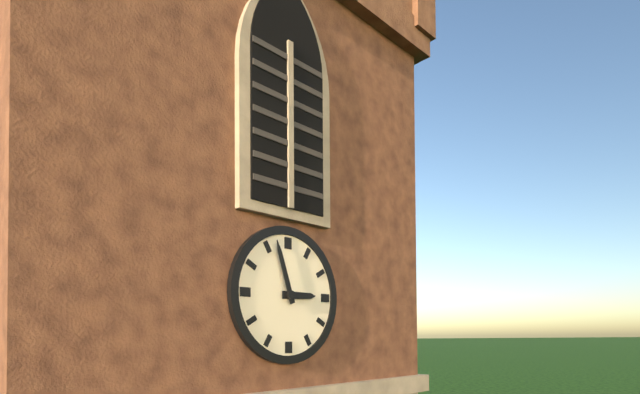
2.57
